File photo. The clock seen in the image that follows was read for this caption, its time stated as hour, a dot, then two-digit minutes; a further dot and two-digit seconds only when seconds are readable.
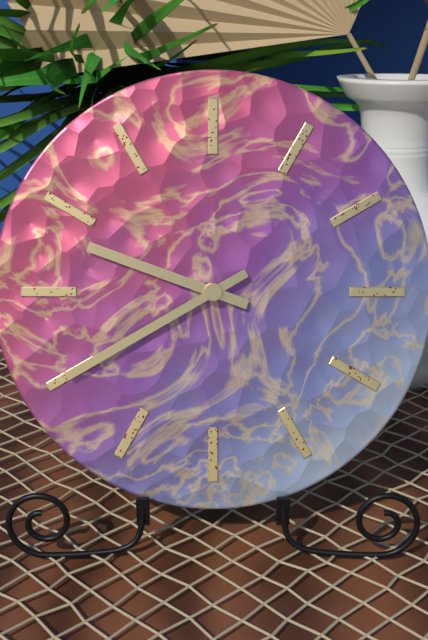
9.40
